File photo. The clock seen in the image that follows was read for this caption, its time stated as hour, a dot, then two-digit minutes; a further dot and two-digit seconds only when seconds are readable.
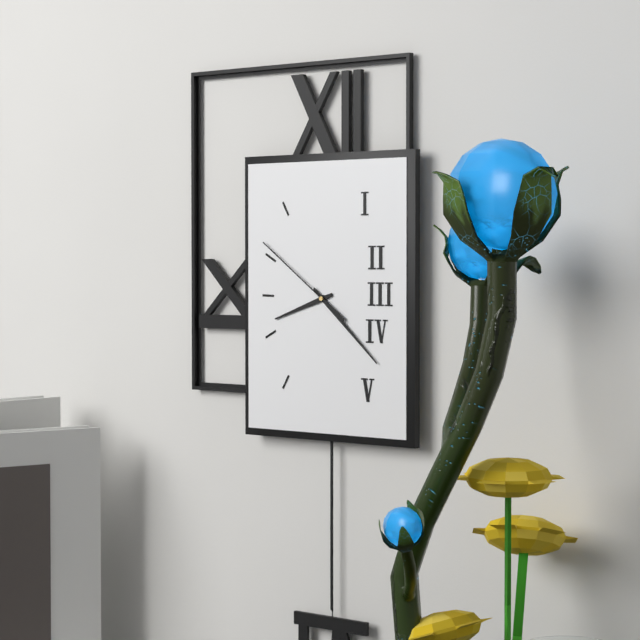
8.22.51
